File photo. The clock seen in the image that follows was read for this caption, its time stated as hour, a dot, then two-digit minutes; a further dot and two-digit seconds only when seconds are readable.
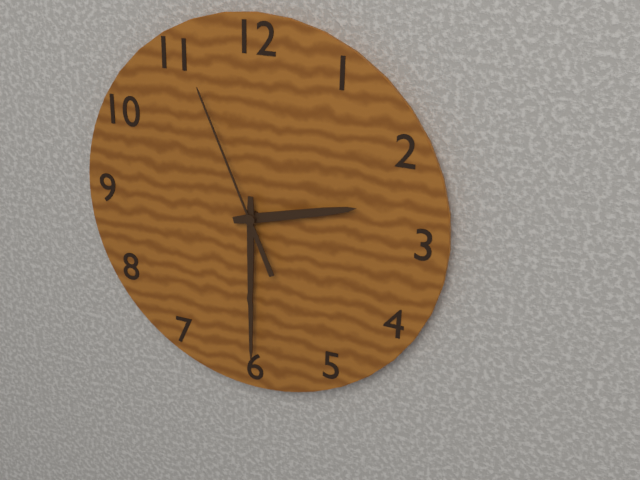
2.30.56
